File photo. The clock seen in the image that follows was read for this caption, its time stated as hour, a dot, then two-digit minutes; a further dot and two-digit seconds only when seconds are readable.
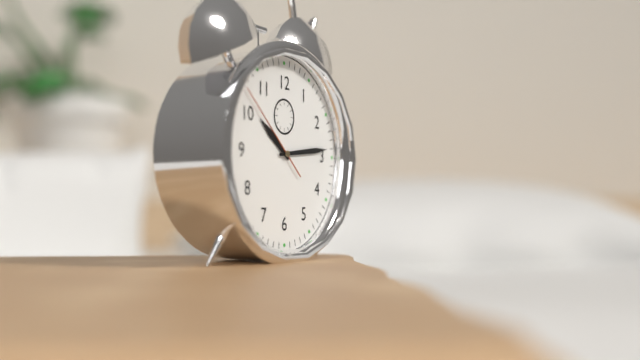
10.14.52
